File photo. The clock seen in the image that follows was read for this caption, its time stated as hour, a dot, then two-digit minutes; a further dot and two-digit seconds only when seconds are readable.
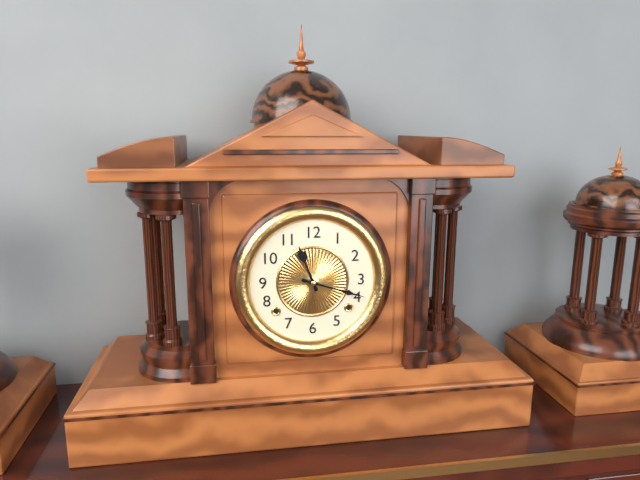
11.18
